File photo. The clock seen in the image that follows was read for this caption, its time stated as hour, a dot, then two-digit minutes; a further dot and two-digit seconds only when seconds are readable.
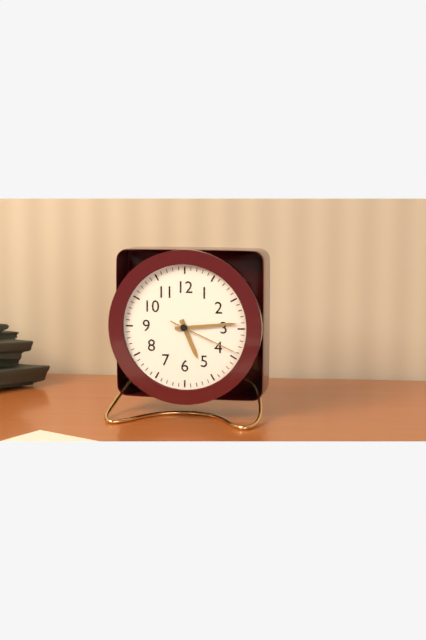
5.14.19
